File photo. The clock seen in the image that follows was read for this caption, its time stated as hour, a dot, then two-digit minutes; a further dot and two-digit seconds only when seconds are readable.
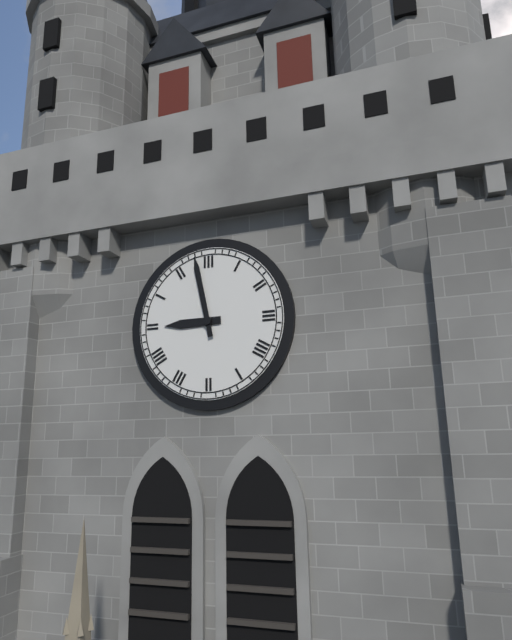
8.58
